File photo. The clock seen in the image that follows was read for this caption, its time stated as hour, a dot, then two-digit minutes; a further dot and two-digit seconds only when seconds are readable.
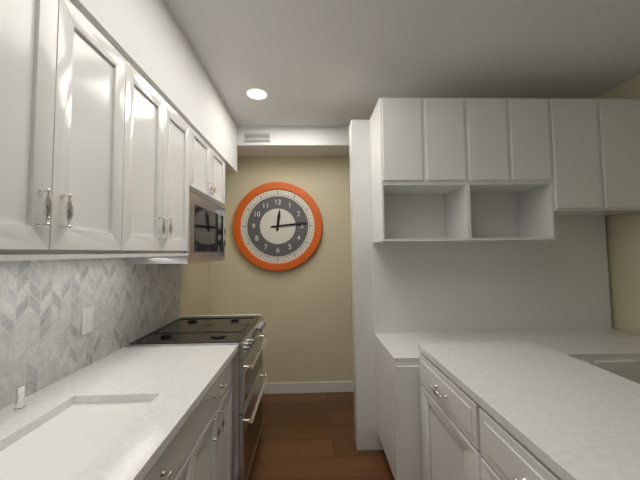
12.14
